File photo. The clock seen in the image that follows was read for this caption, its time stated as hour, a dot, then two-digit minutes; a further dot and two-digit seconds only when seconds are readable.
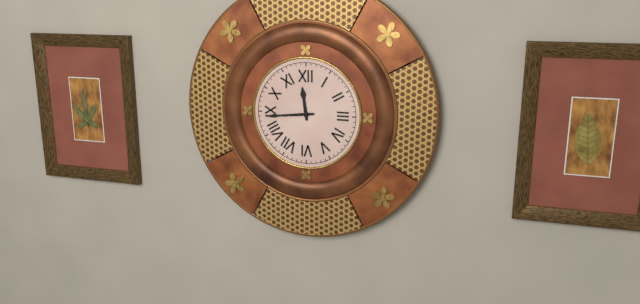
11.44
